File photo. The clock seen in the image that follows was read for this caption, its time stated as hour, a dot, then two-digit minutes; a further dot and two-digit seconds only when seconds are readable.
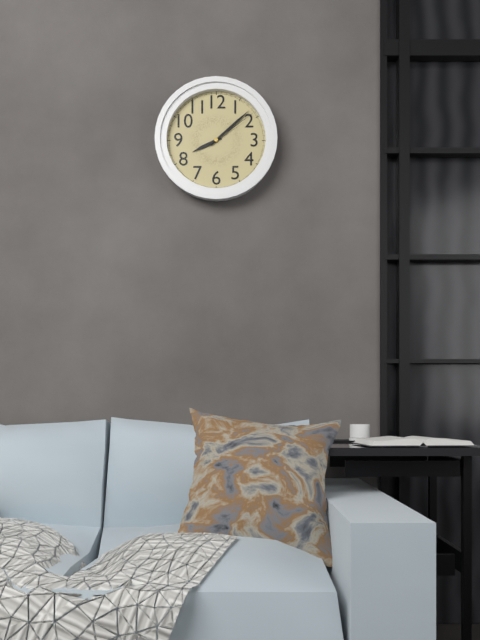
8.08.09
